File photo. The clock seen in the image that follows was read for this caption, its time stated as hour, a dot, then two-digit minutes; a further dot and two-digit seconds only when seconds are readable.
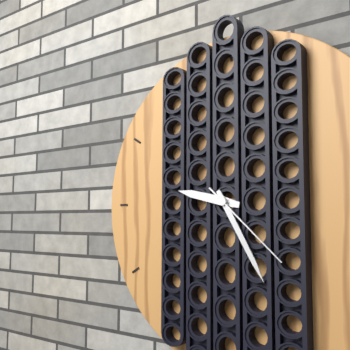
9.25.22
